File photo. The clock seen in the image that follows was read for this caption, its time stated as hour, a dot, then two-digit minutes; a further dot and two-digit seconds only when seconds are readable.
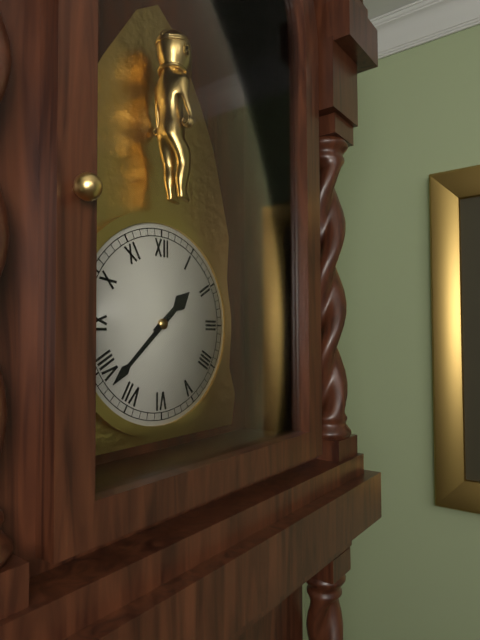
1.38
